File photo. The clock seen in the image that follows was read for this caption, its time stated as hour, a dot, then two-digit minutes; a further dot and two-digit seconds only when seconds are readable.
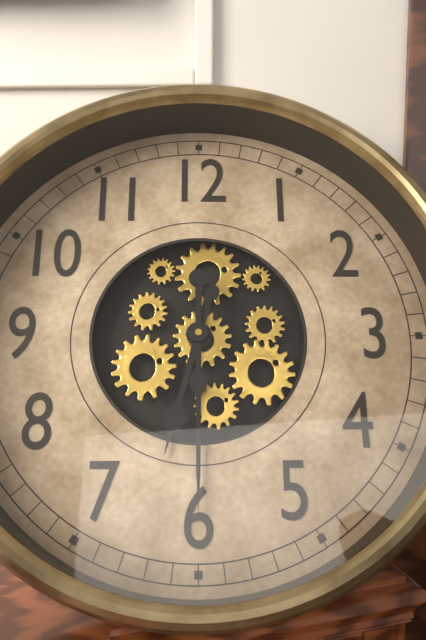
6.30
